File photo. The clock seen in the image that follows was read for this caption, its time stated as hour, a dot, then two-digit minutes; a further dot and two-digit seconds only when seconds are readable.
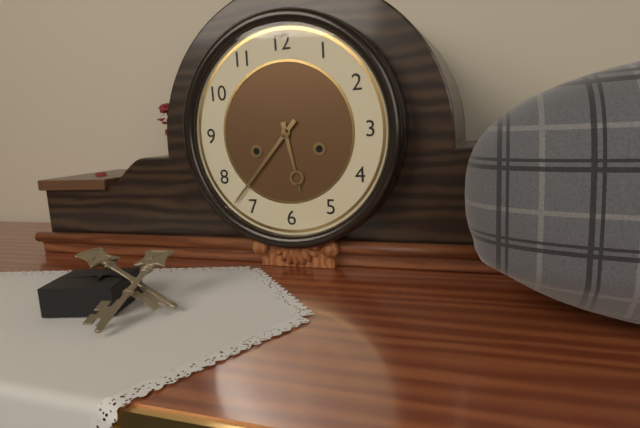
5.37
